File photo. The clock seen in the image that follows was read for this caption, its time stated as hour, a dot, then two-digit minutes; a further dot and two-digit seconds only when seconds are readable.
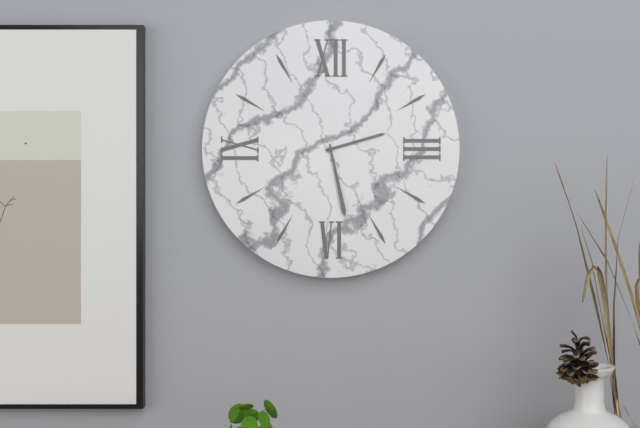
2.28
